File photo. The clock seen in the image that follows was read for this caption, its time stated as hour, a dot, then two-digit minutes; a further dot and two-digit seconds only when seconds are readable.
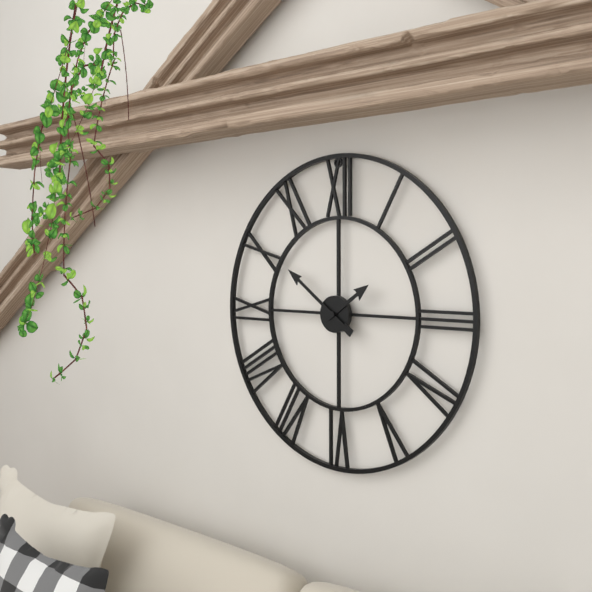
1.51
